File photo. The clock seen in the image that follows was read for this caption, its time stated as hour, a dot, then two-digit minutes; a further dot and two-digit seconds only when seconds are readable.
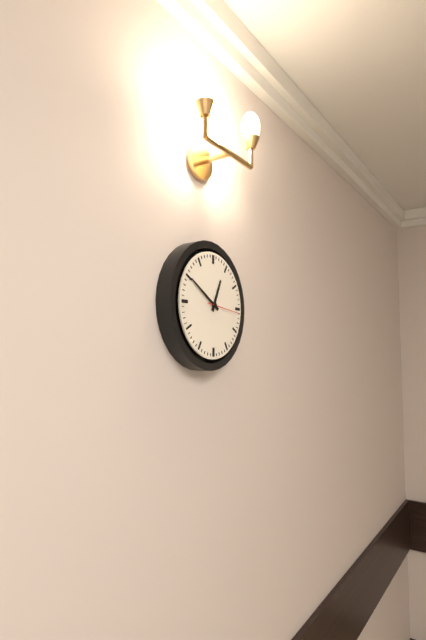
12.50.16
